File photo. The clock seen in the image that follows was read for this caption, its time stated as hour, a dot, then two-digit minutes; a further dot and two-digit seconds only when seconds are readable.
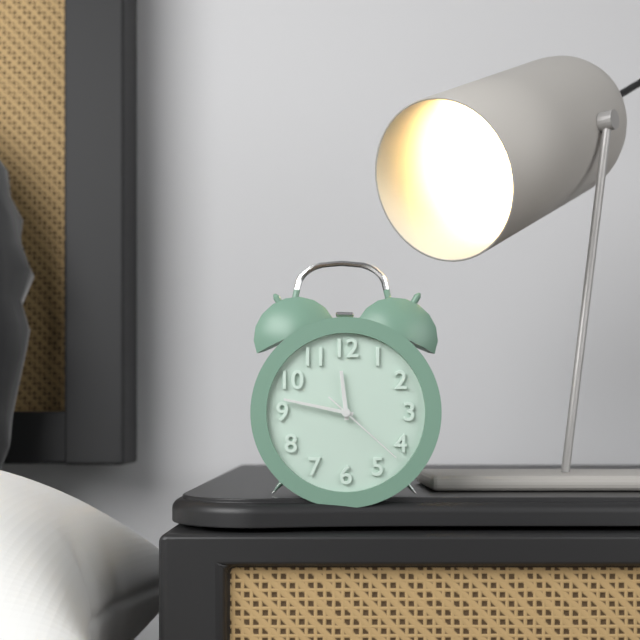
11.47.22
